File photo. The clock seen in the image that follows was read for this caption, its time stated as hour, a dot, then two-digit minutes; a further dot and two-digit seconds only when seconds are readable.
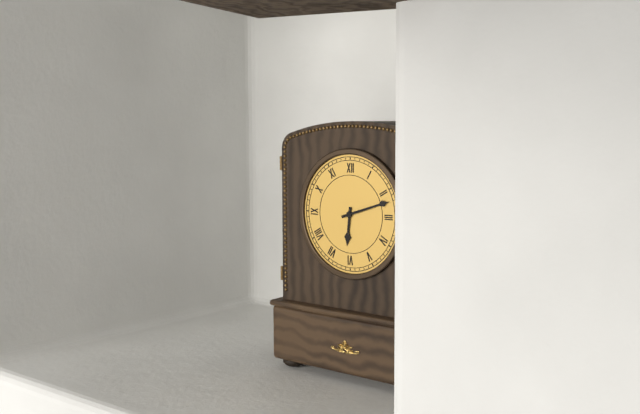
6.12
